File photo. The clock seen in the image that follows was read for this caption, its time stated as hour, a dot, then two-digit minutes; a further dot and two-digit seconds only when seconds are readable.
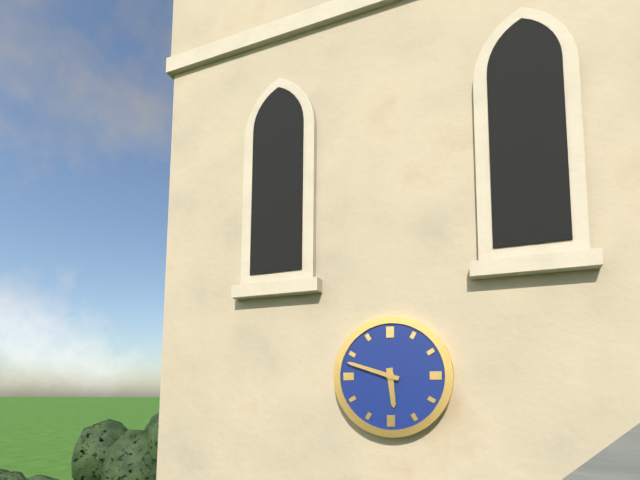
5.48
